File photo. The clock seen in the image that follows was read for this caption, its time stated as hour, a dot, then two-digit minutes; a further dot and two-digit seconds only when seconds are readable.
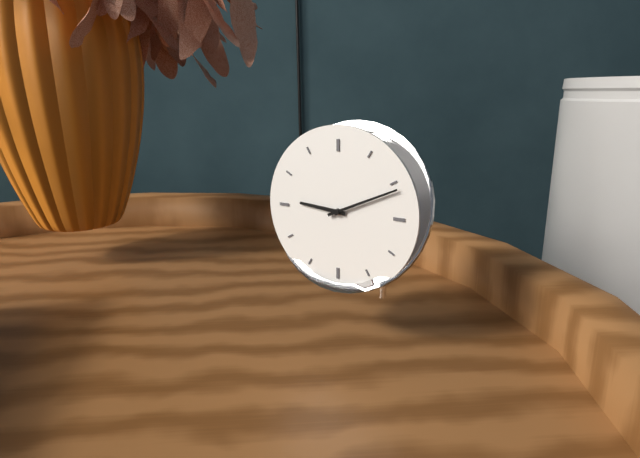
9.11
